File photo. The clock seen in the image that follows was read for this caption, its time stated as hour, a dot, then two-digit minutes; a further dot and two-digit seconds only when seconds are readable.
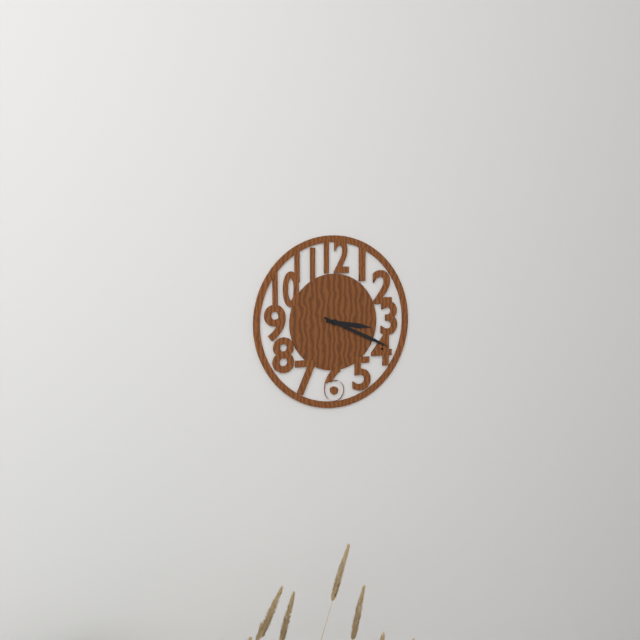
3.19
